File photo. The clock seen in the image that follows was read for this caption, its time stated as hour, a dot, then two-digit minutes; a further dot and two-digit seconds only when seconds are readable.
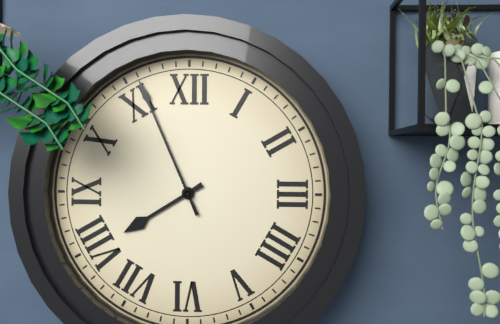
7.56
